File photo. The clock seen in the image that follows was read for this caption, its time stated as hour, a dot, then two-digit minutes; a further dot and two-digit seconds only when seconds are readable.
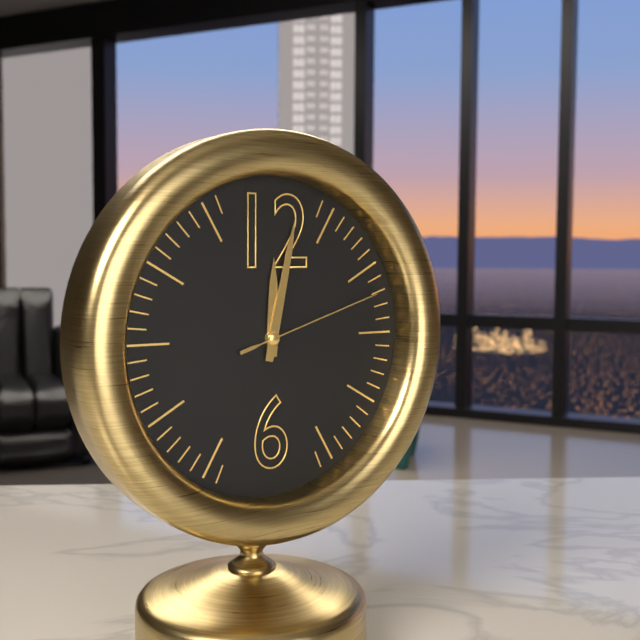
12.02.12
